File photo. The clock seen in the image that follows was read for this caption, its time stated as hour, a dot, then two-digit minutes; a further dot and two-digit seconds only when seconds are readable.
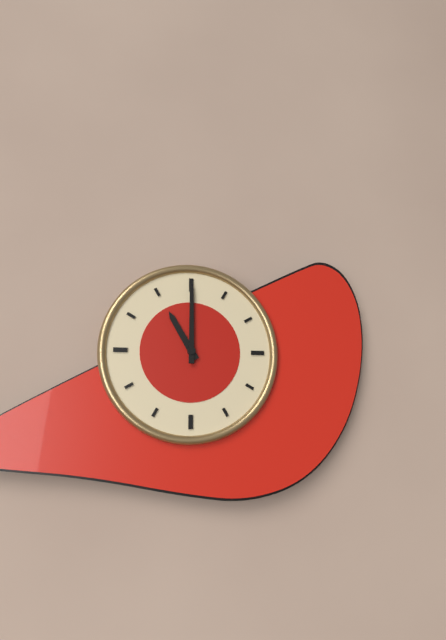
11.00
